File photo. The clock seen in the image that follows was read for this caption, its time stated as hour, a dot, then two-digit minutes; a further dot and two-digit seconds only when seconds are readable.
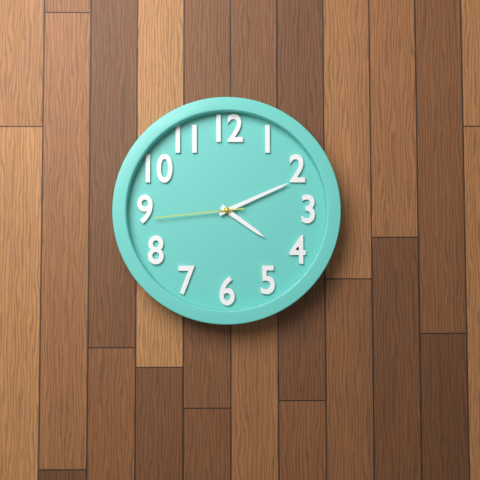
4.11.44
